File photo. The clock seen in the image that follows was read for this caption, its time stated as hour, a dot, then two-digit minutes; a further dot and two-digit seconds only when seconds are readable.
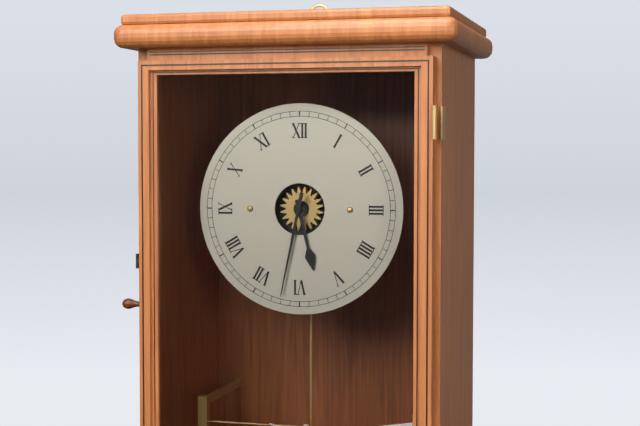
5.32
